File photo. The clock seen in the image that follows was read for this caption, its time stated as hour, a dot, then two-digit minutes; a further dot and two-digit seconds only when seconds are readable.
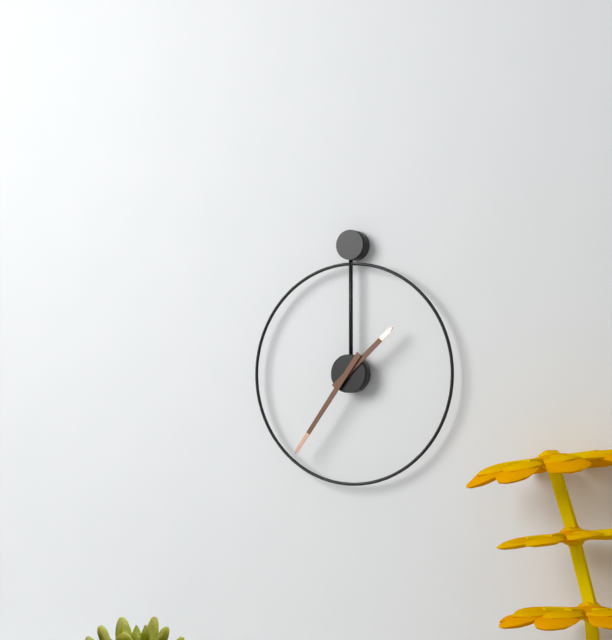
1.36
